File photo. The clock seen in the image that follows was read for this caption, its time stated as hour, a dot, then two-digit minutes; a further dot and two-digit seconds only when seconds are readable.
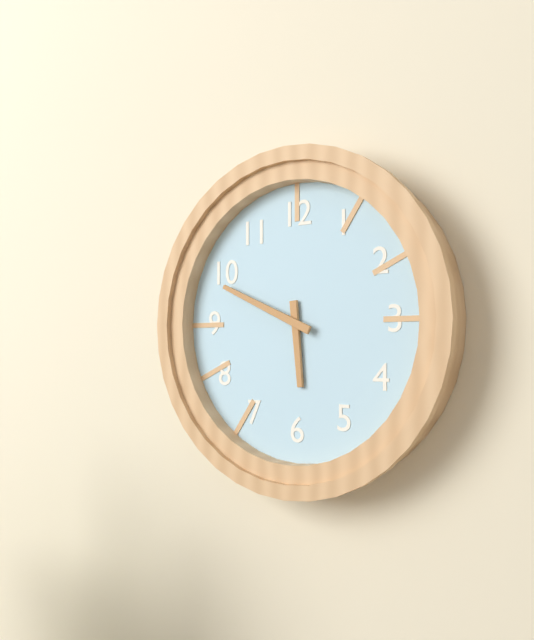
5.49
